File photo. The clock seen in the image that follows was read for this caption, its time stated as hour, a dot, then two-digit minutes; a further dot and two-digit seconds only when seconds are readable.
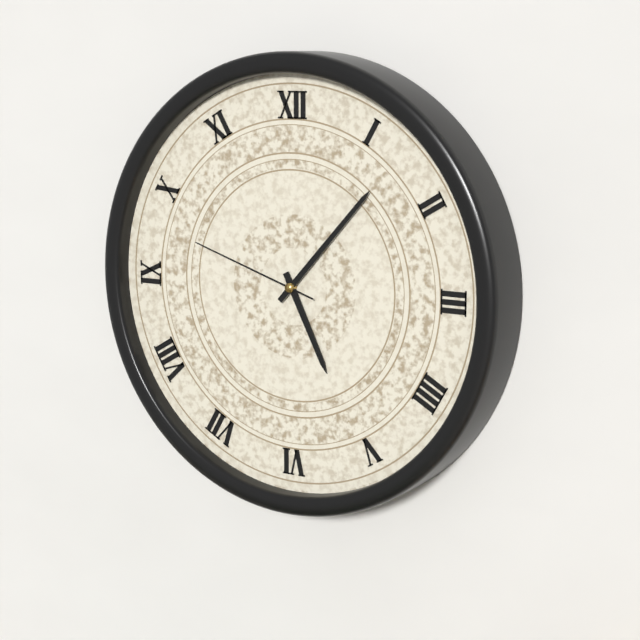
5.07.48
